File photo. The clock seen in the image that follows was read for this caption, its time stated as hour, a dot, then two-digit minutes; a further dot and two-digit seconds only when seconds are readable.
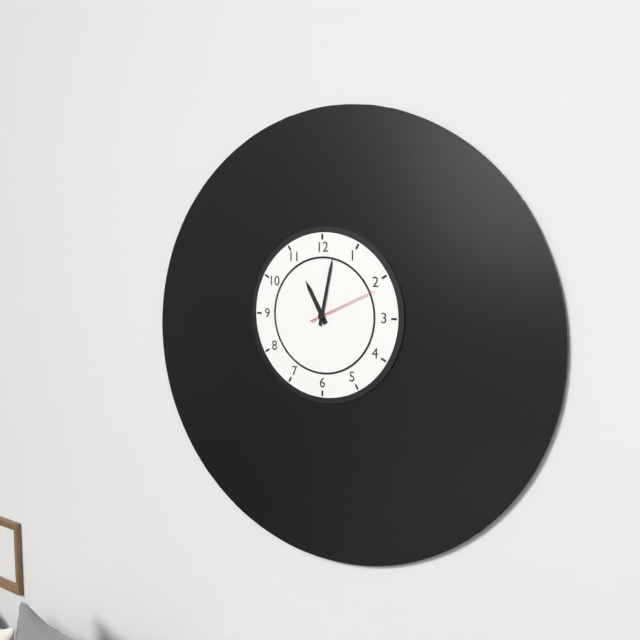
11.02.11
